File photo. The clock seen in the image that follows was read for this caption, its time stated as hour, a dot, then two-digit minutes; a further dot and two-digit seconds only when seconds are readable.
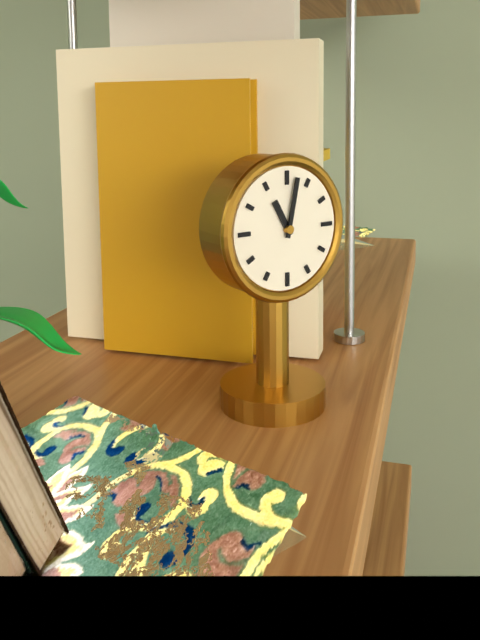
11.02
